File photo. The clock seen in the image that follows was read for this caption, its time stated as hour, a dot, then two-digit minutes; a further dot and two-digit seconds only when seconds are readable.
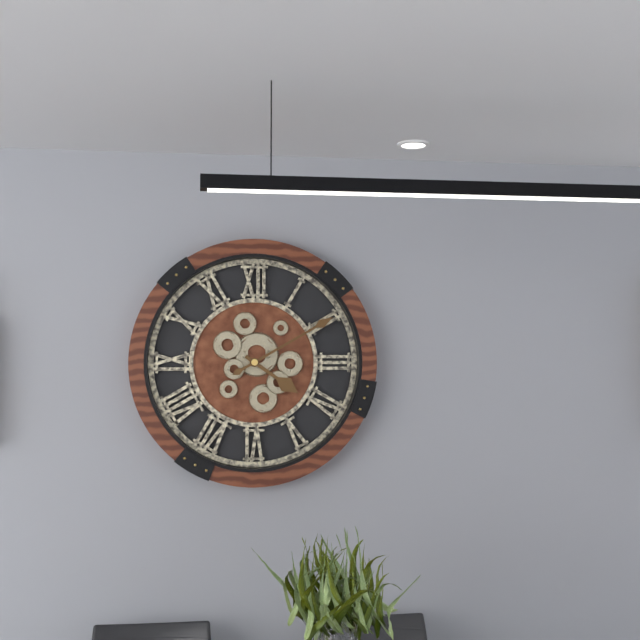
4.10
